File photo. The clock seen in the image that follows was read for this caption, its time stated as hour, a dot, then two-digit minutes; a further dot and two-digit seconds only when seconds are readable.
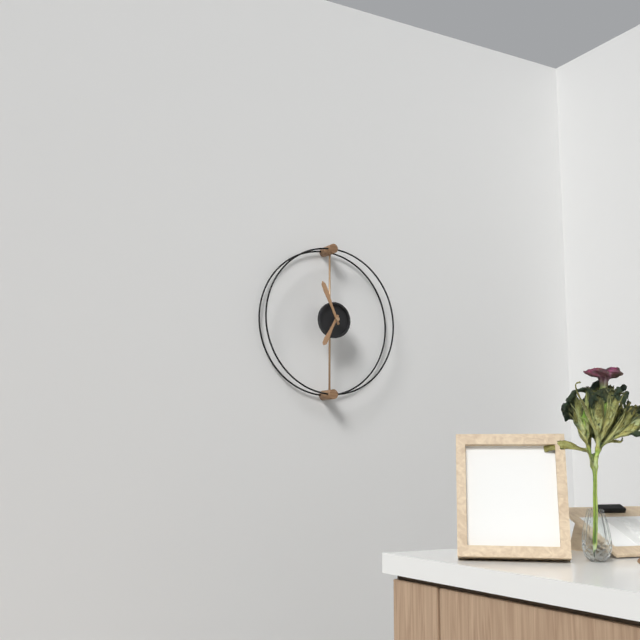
6.56
